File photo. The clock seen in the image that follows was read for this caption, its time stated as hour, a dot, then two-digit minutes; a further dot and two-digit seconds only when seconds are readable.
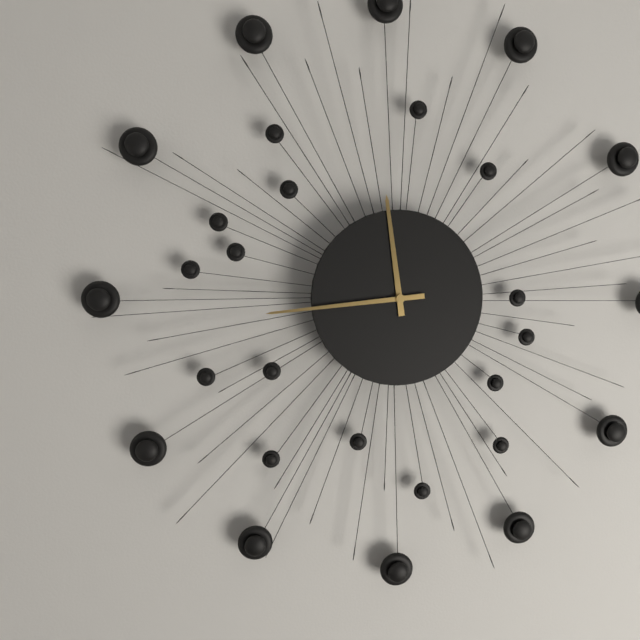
11.44
